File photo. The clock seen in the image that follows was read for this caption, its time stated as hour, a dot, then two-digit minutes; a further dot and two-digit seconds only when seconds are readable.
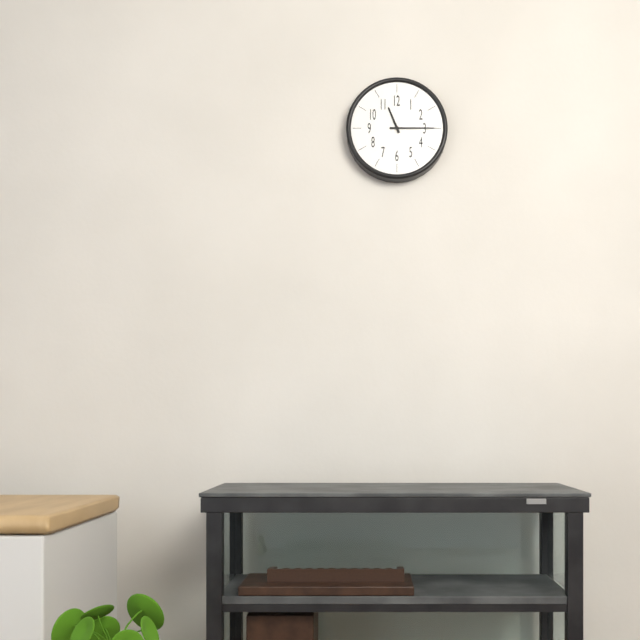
11.15
